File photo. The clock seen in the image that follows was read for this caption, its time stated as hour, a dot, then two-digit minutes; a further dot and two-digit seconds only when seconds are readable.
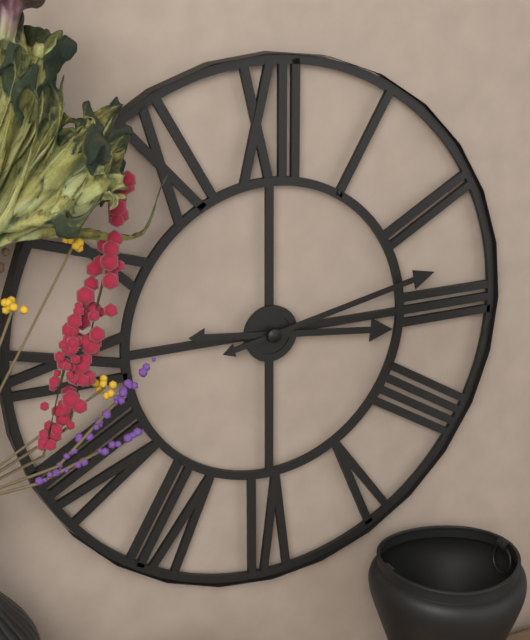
3.13
